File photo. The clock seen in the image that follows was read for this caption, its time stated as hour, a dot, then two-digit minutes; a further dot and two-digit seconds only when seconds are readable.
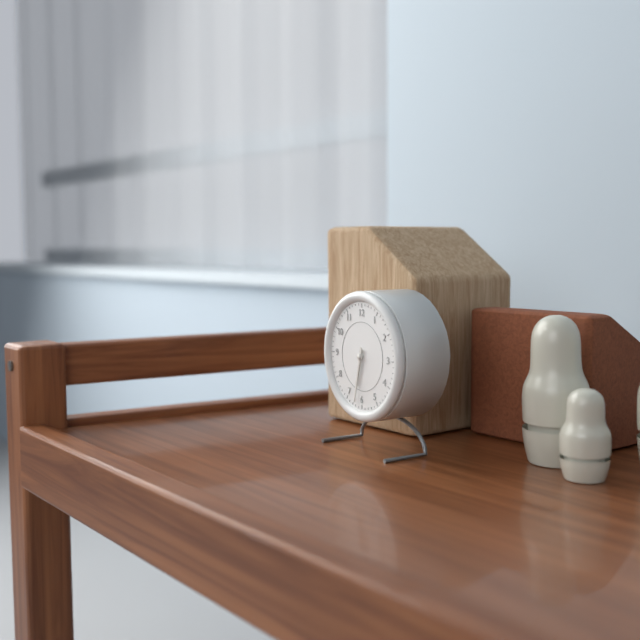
6.32
